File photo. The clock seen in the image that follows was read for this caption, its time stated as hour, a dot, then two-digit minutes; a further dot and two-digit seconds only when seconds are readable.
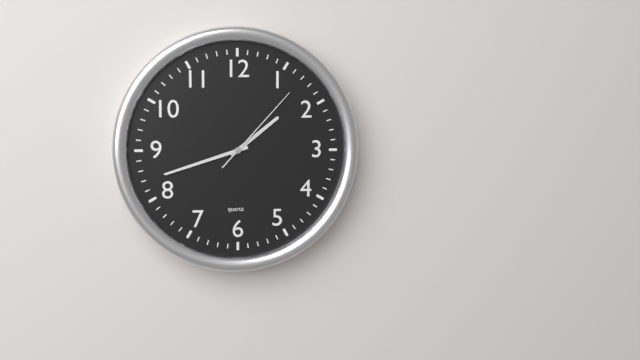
1.42.07
